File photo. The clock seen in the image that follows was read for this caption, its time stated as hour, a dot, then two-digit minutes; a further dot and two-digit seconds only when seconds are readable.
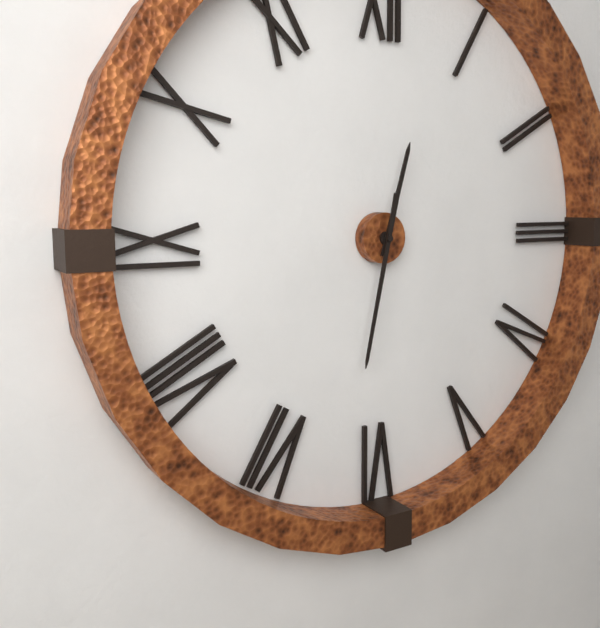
12.32
